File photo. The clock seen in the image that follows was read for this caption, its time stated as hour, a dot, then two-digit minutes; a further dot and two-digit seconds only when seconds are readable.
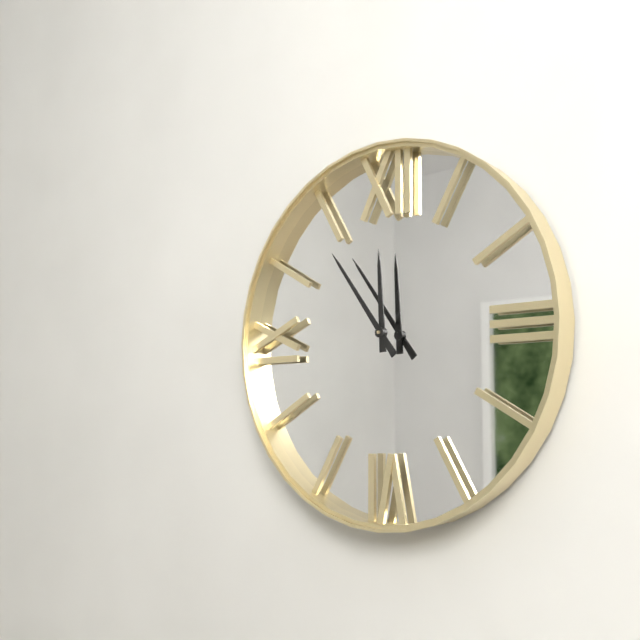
11.54
